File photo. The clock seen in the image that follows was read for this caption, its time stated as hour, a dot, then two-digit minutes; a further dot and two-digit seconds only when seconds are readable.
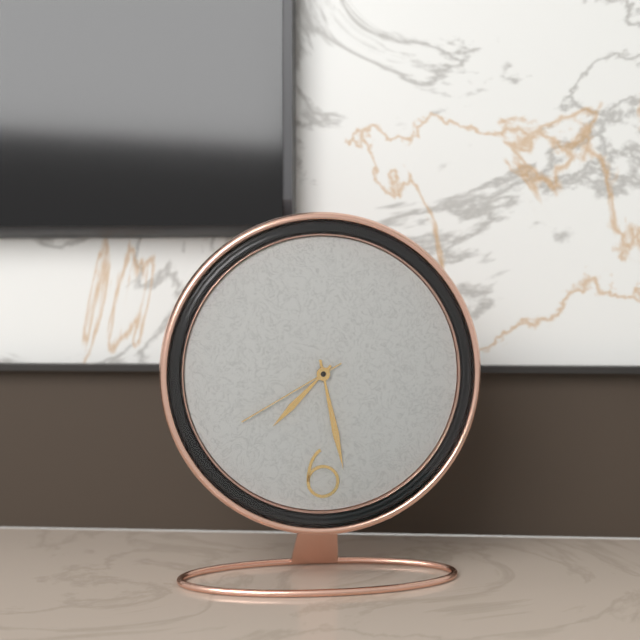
7.28.40
